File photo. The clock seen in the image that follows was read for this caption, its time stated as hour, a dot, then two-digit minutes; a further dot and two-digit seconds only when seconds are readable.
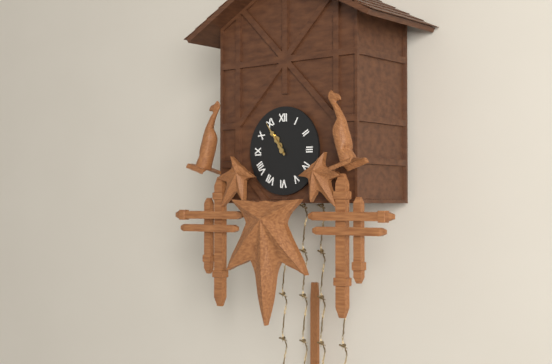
10.54
